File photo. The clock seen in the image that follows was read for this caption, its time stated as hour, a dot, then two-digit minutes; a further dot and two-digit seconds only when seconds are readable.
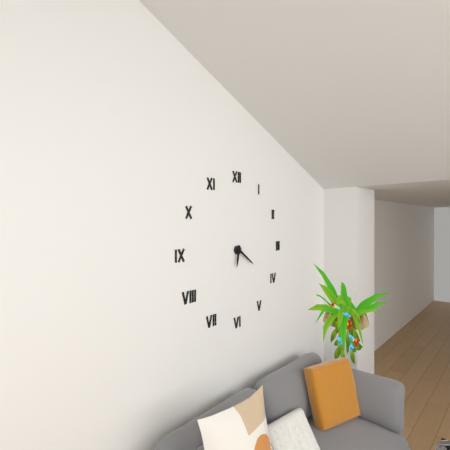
6.21
